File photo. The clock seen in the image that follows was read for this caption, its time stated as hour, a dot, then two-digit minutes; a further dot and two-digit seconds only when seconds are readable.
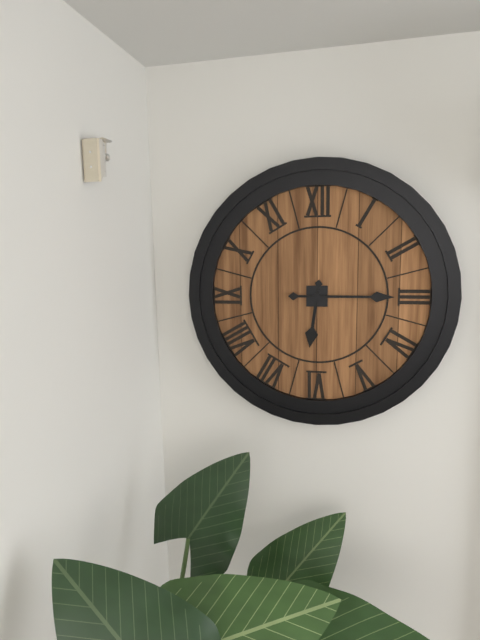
6.15
